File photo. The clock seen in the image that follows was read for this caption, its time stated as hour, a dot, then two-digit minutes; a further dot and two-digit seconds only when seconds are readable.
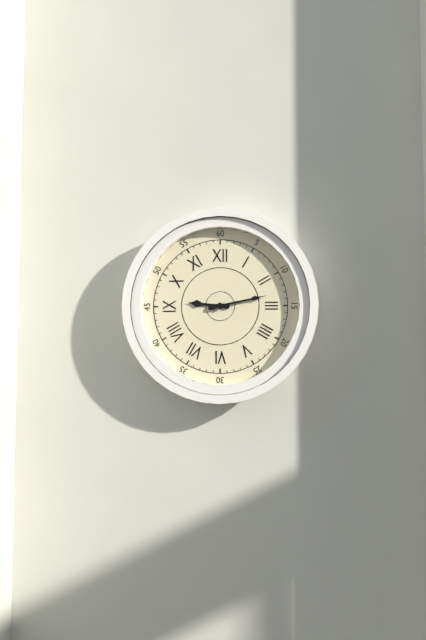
9.13
